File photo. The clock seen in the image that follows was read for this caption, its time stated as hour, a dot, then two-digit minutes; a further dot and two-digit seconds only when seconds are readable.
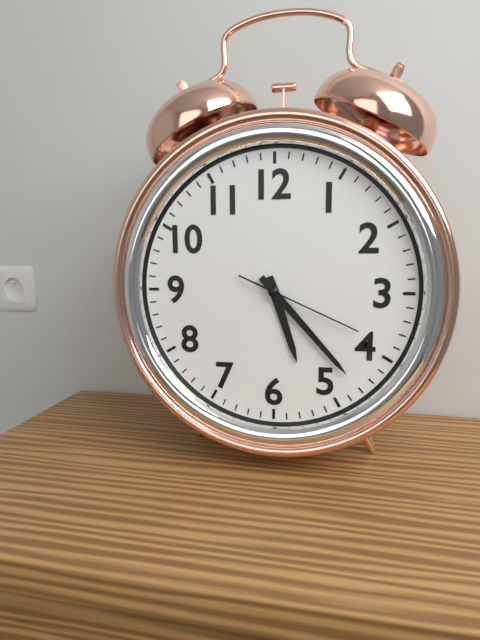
5.23.19
